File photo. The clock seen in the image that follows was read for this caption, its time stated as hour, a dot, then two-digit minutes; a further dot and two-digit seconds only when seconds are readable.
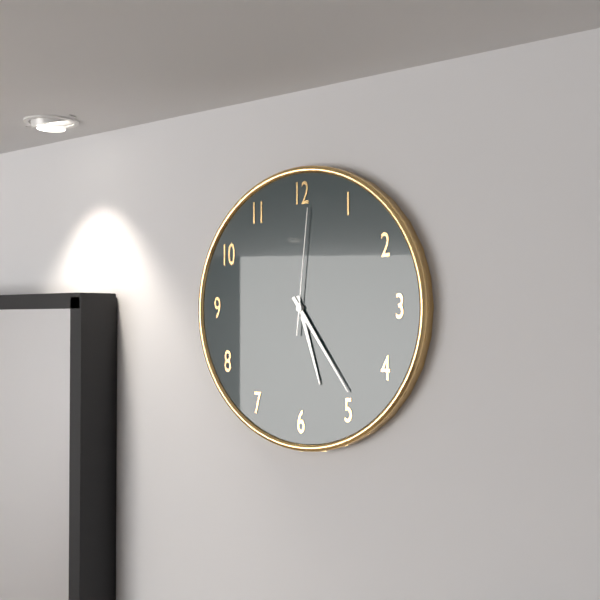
5.24.01
